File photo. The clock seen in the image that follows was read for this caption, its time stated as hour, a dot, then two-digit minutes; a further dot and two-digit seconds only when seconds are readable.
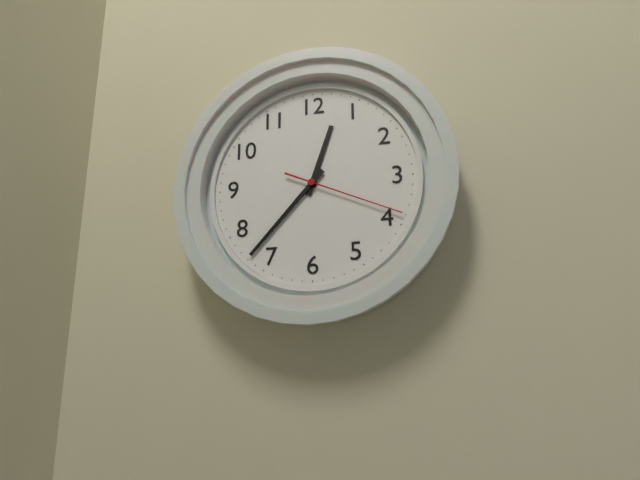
12.37.19
